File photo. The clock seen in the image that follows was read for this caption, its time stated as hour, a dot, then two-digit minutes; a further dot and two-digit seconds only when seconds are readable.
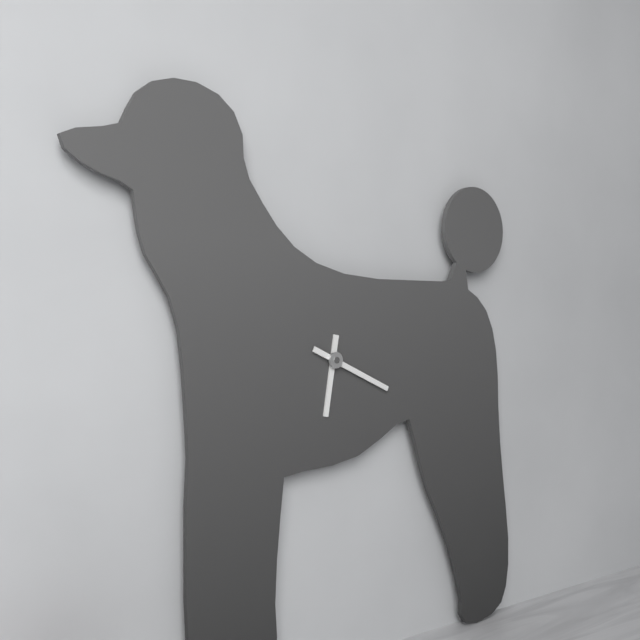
6.19
